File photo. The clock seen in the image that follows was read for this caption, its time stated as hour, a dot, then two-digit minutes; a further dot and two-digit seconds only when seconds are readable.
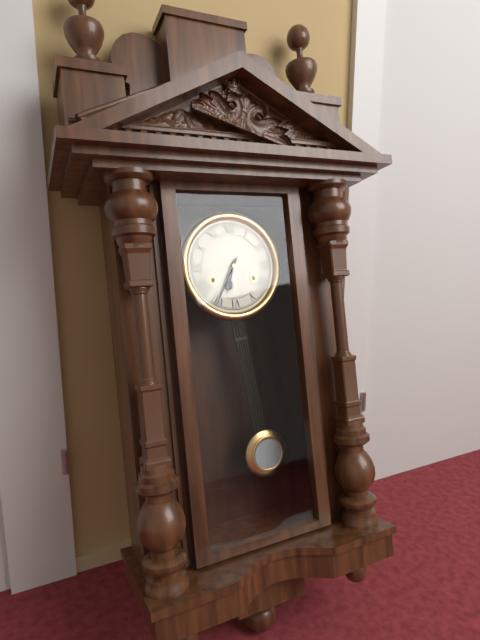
6.35
